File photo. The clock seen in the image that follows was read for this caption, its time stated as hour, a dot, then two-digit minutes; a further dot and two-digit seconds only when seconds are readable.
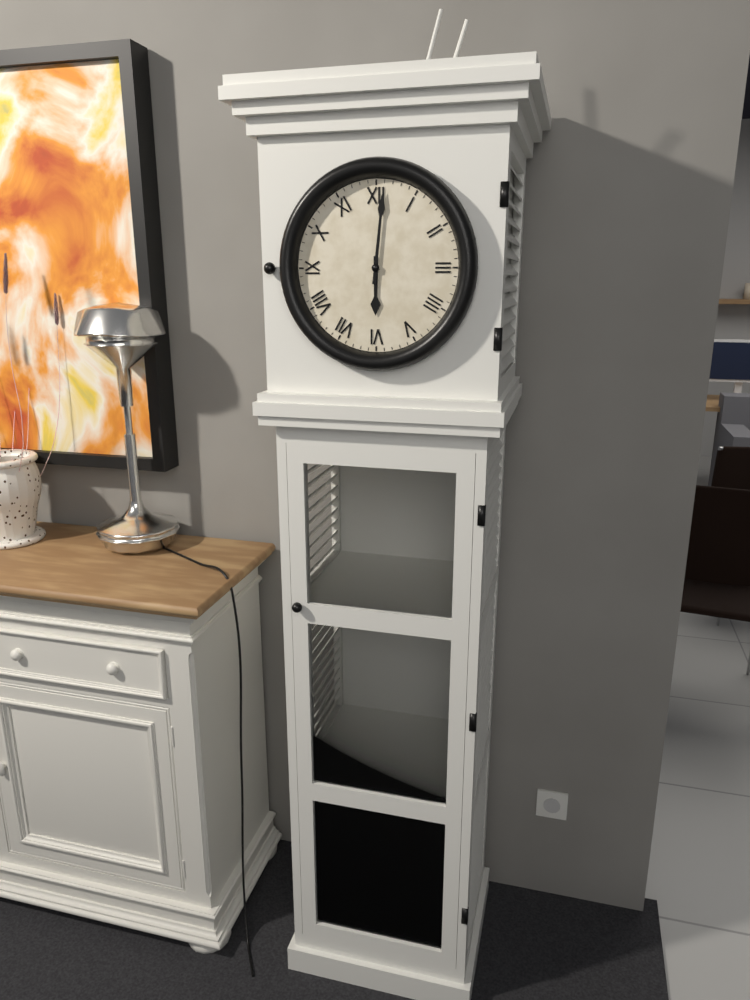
6.01
